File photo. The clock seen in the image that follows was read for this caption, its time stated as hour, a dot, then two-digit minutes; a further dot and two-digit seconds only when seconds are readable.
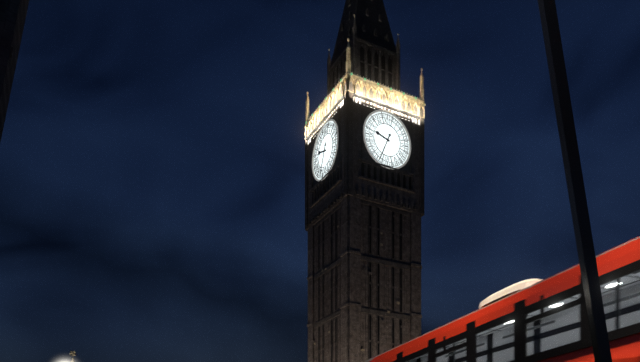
9.34
